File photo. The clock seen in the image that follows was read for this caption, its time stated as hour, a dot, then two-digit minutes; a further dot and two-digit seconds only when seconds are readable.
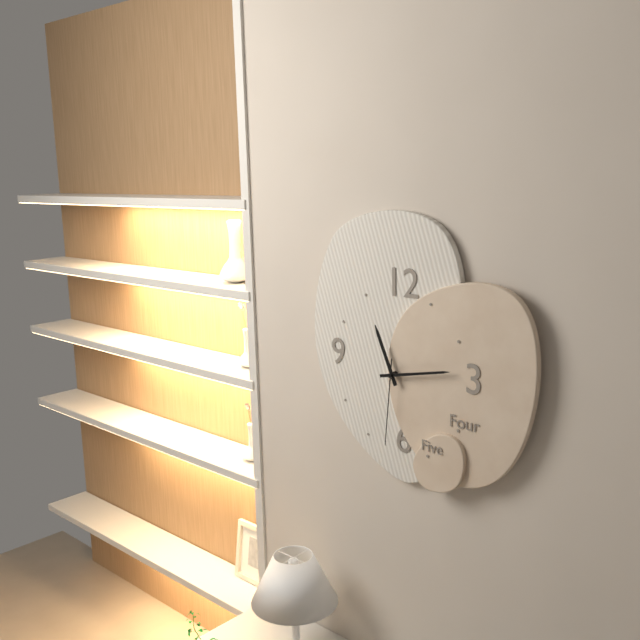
11.13.31
